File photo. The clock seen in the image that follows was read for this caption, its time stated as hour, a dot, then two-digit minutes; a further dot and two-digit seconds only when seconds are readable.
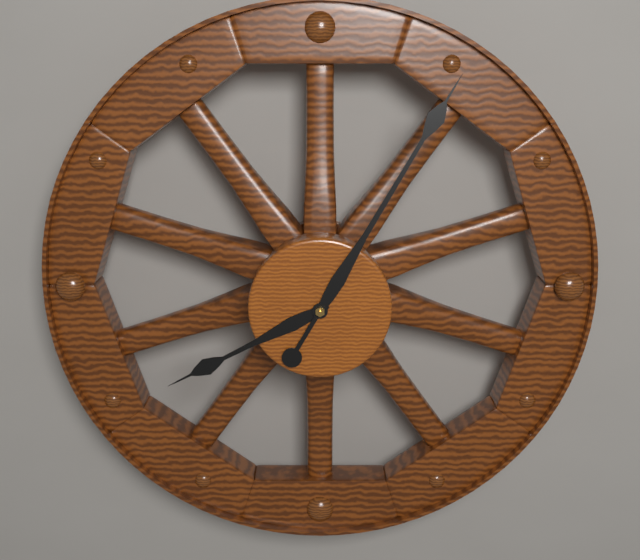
8.05
